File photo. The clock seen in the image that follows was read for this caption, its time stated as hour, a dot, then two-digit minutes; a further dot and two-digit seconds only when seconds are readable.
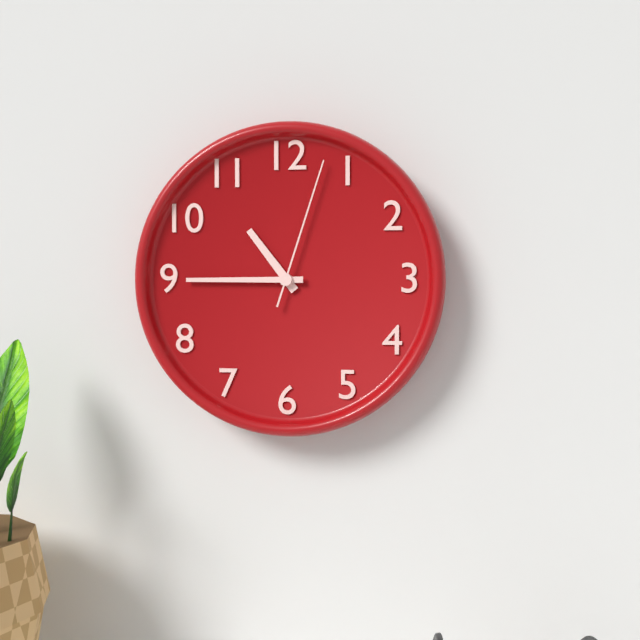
10.45.03
